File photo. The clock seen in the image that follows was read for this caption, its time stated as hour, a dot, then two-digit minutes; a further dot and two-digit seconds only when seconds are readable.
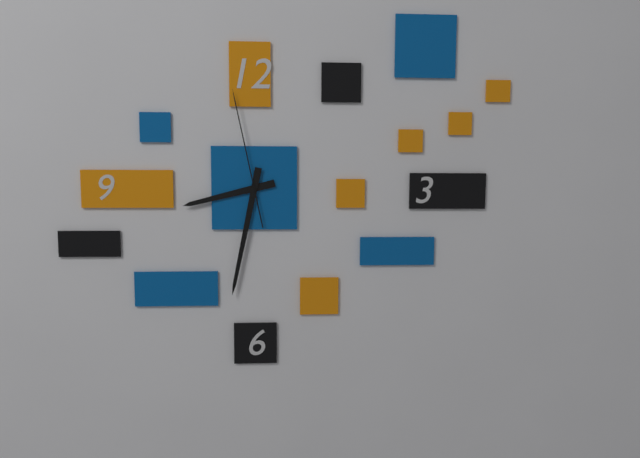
8.32.58
